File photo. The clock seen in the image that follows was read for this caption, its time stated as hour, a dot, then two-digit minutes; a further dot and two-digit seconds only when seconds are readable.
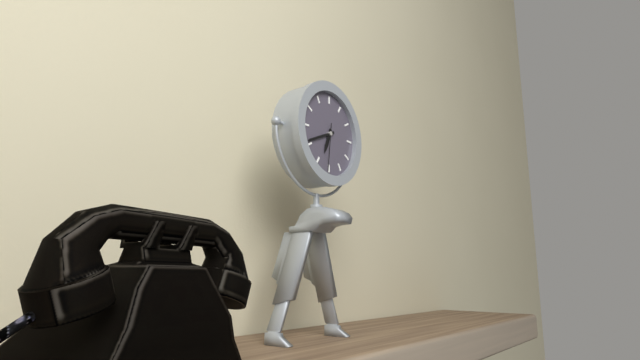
6.41
